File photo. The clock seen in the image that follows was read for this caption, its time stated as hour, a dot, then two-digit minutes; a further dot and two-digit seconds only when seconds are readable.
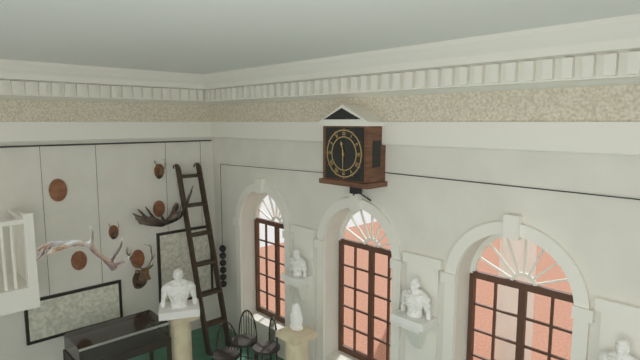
11.30
